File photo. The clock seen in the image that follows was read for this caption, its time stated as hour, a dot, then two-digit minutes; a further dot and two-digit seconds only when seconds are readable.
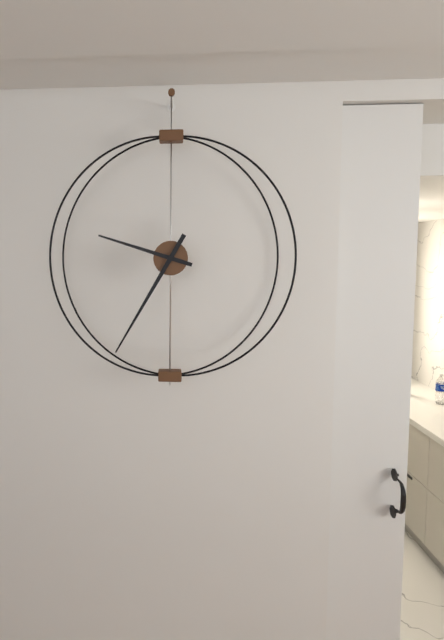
9.35
